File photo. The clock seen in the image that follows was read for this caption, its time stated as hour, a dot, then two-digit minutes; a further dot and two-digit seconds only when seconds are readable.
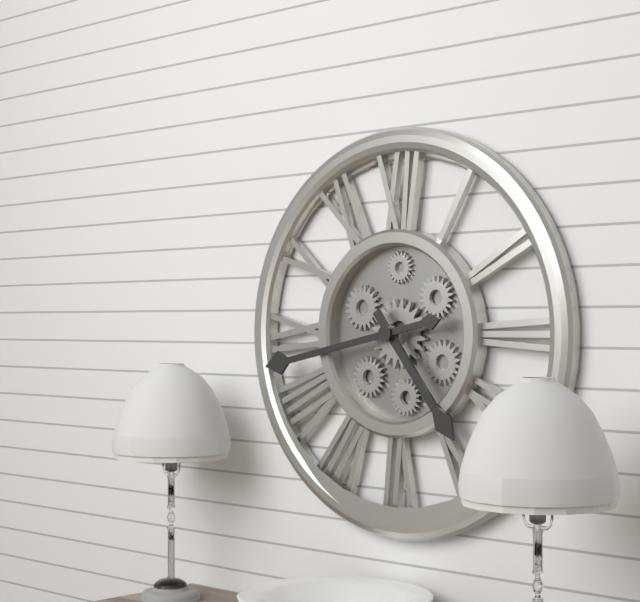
4.43
